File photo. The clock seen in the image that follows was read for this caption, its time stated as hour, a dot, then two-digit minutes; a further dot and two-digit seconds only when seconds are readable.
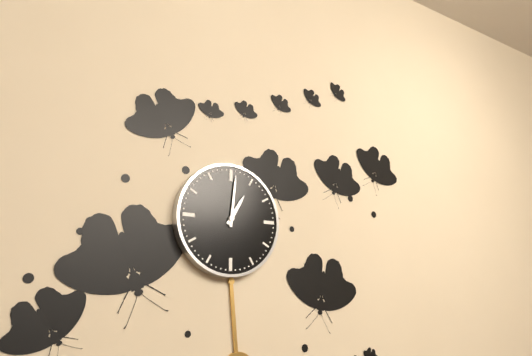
1.01
